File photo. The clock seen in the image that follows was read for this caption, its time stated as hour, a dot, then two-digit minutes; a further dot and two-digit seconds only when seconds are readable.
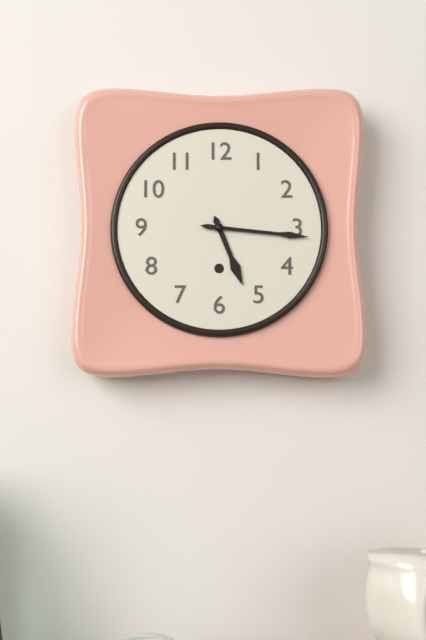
5.16
